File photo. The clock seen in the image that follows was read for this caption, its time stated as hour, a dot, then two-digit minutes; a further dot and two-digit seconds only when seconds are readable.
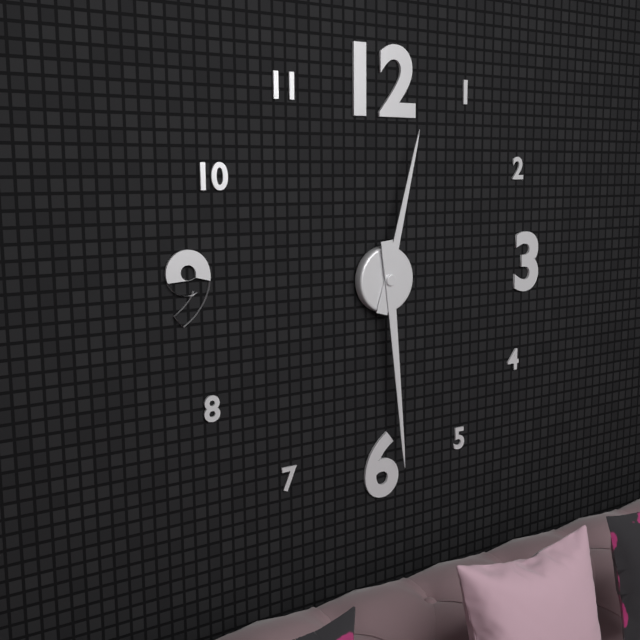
12.29
